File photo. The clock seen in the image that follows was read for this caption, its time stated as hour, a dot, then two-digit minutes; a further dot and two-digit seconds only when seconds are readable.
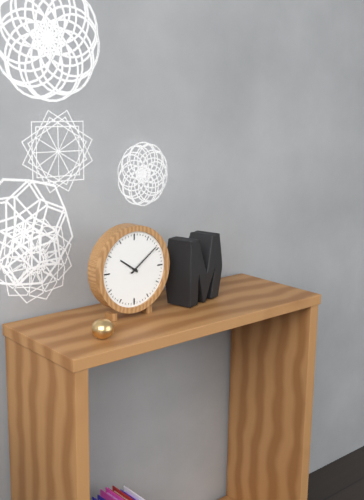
10.09
